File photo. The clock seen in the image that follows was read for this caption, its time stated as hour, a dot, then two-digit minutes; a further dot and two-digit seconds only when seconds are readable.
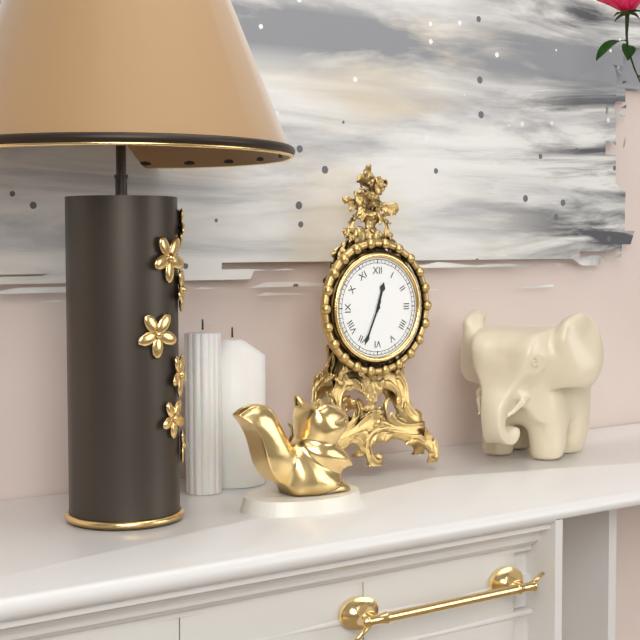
12.34
